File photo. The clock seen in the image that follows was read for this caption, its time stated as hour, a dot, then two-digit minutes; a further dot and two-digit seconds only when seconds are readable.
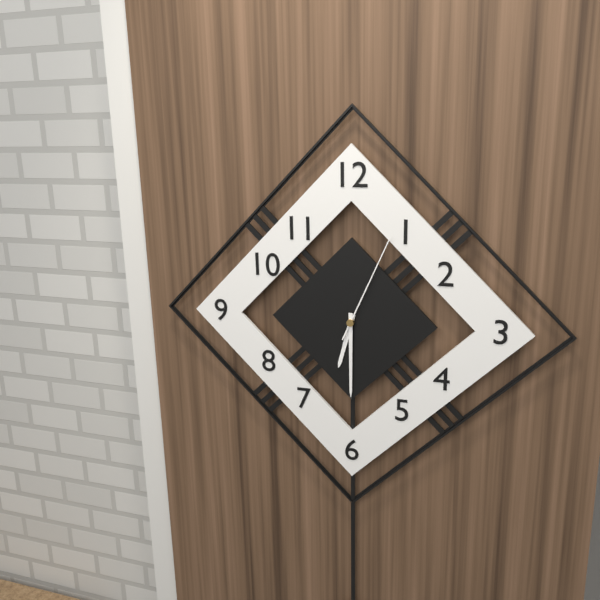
6.30.04
